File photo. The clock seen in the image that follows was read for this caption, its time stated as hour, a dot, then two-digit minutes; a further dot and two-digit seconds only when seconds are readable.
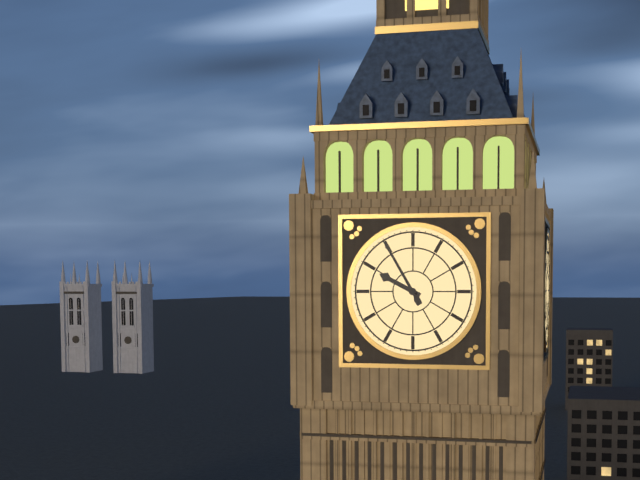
9.55
